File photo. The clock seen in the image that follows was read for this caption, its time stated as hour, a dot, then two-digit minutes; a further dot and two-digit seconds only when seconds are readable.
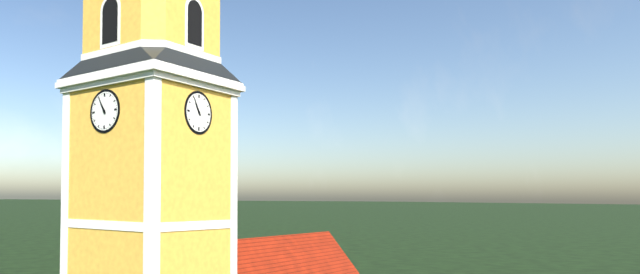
10.55
